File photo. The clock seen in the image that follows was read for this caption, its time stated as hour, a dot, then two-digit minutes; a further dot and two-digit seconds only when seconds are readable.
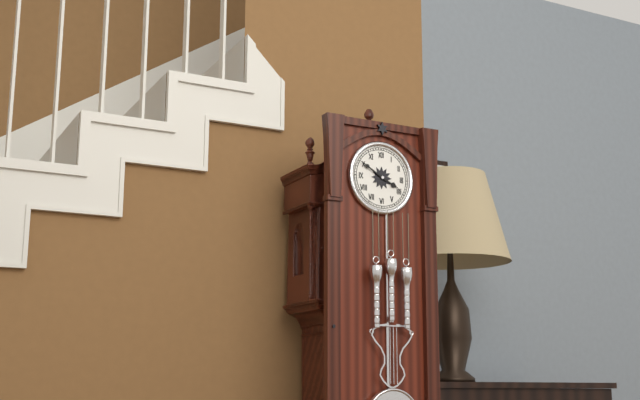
3.50
